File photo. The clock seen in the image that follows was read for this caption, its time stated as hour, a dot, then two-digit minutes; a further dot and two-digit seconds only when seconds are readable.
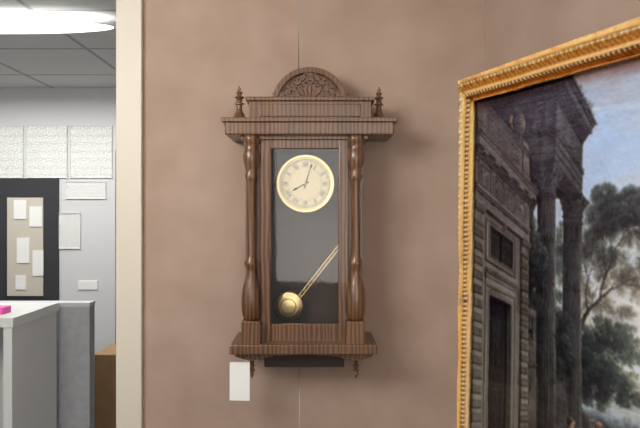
8.03
